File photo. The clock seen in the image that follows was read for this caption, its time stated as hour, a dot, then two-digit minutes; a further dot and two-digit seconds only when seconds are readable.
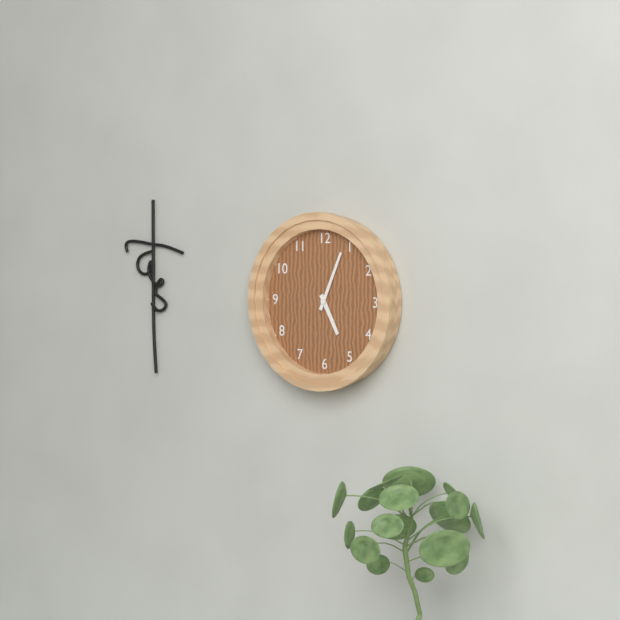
5.04
